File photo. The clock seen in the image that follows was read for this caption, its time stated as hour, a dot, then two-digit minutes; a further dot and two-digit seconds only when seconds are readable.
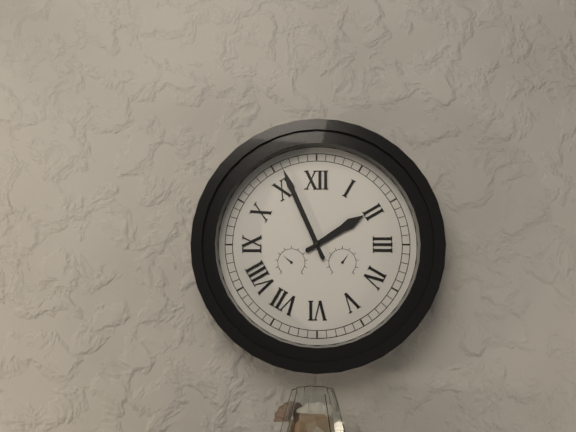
1.56
